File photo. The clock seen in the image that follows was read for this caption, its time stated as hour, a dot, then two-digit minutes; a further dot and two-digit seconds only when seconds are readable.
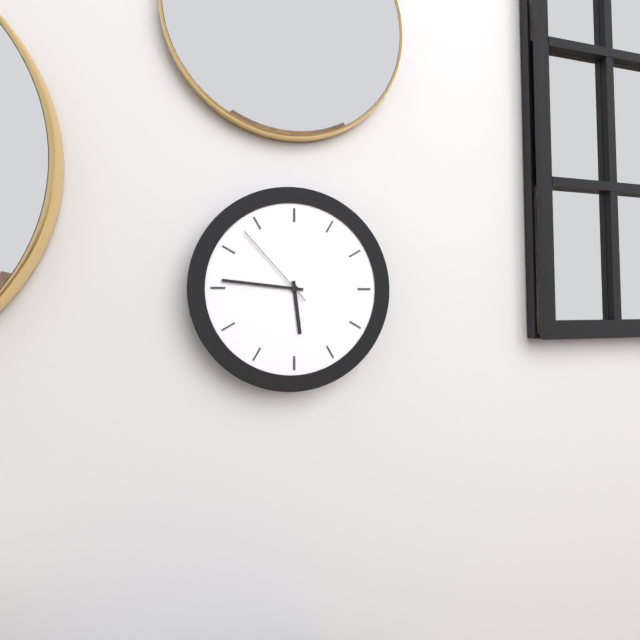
5.46.53
